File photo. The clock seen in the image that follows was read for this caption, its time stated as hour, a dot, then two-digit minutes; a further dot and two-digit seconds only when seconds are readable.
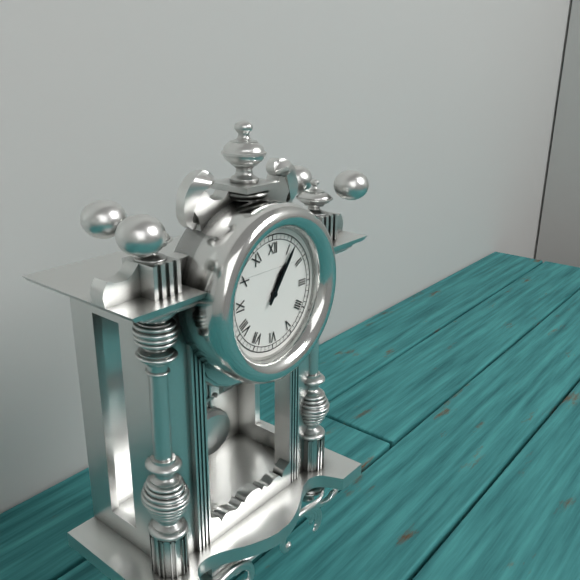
1.06
